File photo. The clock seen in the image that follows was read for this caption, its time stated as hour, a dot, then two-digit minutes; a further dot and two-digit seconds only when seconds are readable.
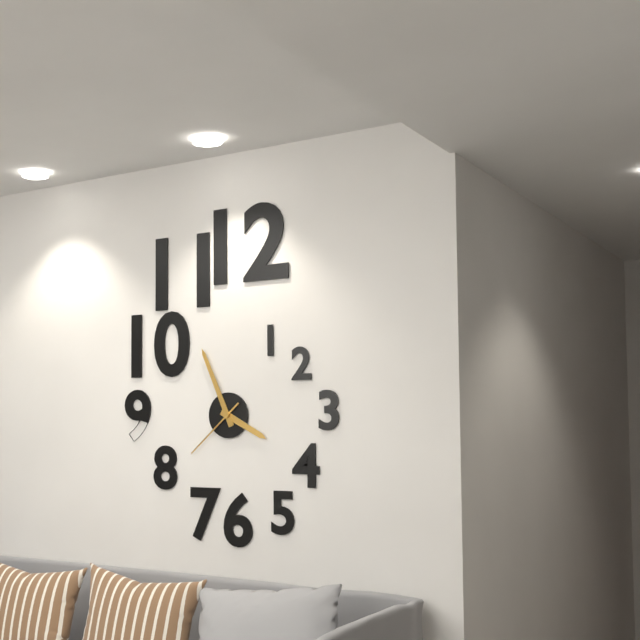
3.56.38
